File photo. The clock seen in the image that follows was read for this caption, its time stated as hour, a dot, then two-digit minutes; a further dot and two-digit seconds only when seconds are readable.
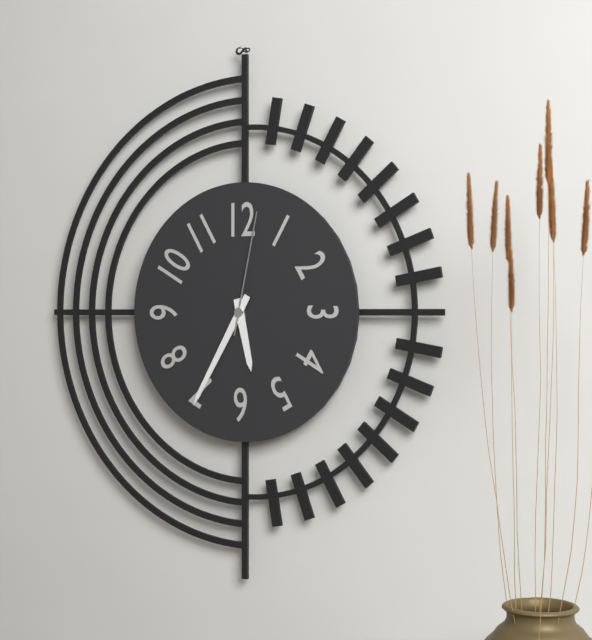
5.35.02
